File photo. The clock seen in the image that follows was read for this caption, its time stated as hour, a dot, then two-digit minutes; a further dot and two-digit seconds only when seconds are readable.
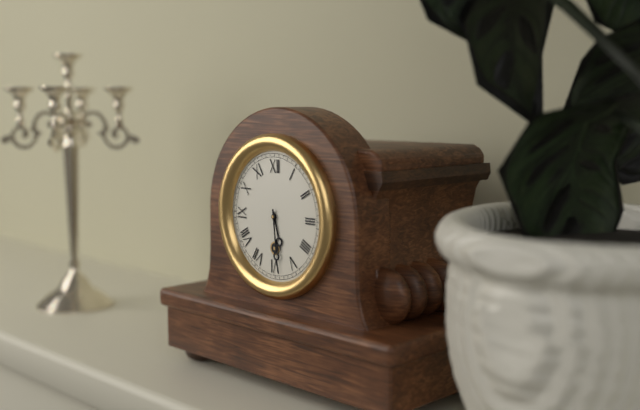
5.29
